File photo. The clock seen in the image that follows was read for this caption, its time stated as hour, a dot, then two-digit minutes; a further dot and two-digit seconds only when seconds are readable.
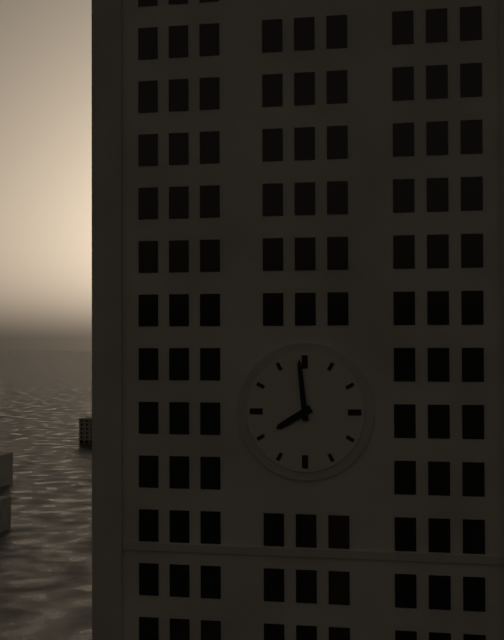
7.59
